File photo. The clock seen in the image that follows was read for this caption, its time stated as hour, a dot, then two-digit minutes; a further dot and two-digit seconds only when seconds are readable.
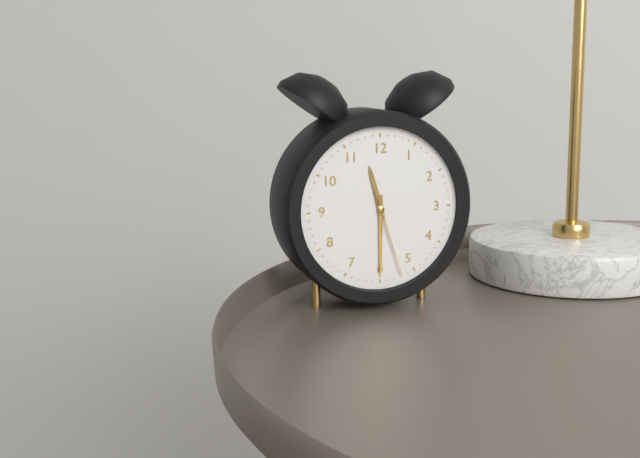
11.30.27
